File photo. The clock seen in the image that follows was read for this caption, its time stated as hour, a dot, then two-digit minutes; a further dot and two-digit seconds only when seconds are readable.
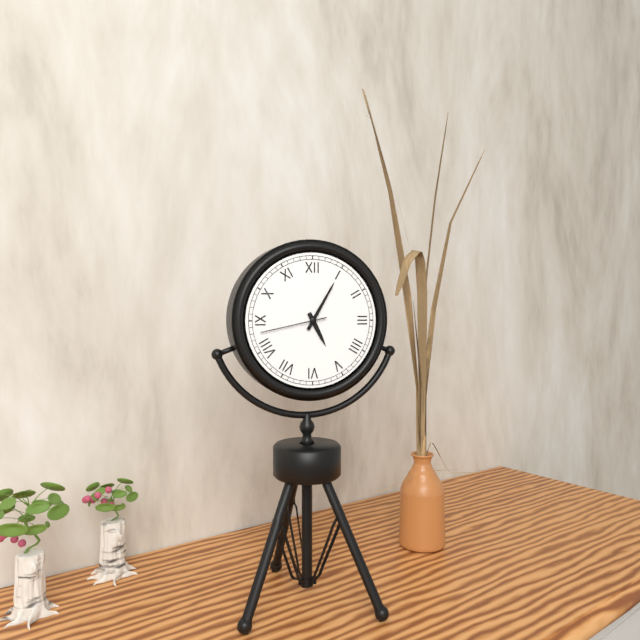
5.05.43
